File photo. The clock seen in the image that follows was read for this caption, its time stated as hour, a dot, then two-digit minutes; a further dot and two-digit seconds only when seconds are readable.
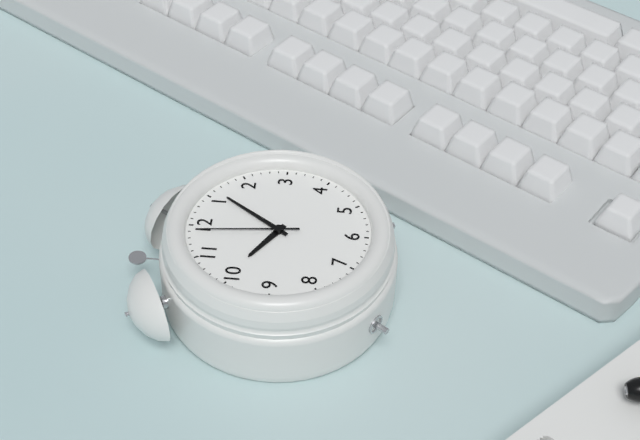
10.06.59
